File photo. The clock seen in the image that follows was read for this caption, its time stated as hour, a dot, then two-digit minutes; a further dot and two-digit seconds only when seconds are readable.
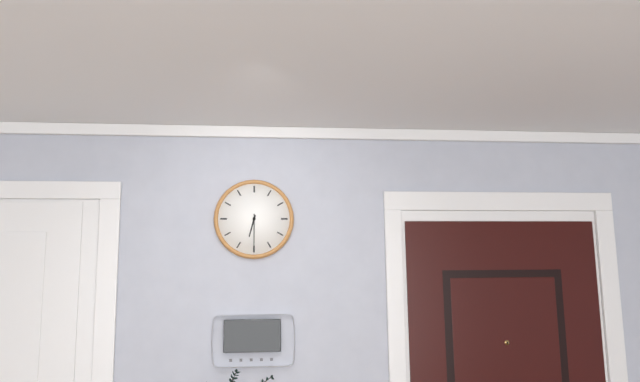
6.30
